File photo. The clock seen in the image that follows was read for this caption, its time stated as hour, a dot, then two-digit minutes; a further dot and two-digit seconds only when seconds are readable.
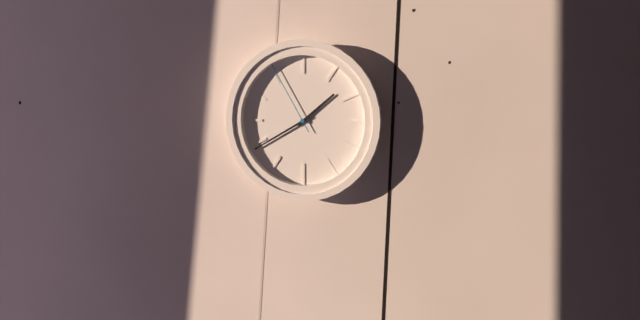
1.40.55
